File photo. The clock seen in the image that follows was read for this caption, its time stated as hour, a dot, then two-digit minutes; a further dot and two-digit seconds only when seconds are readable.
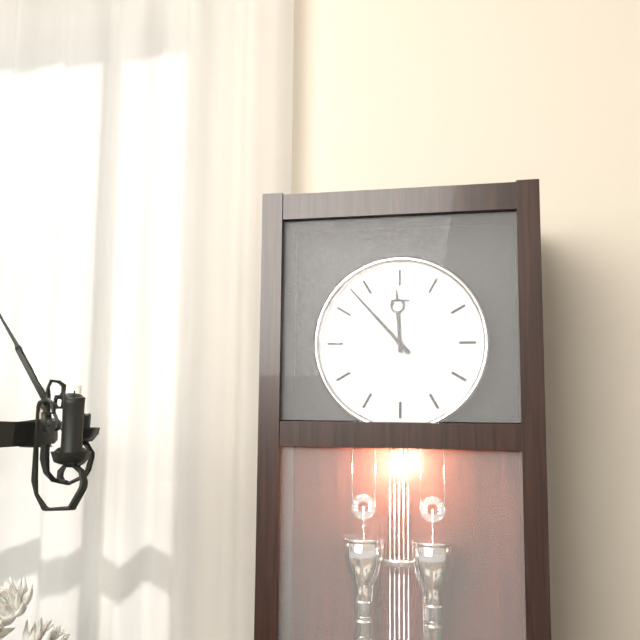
11.53
